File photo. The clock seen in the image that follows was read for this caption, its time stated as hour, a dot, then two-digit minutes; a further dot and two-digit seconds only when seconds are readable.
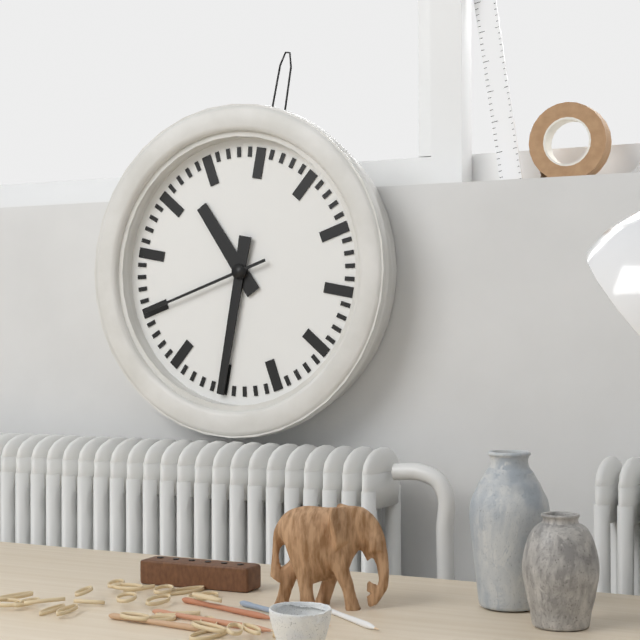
10.30.40
